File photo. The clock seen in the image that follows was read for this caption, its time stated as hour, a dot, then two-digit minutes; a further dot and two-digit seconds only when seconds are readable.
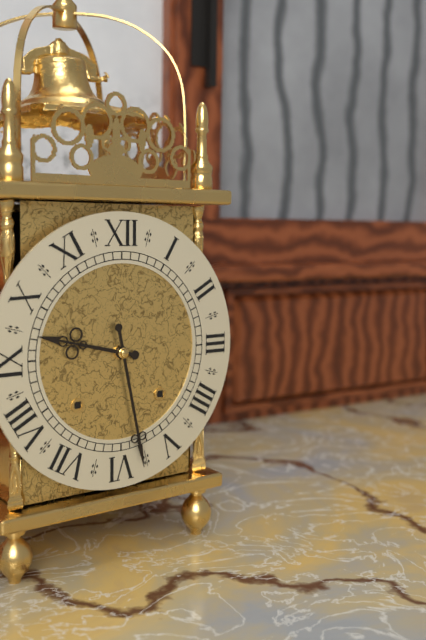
9.28
